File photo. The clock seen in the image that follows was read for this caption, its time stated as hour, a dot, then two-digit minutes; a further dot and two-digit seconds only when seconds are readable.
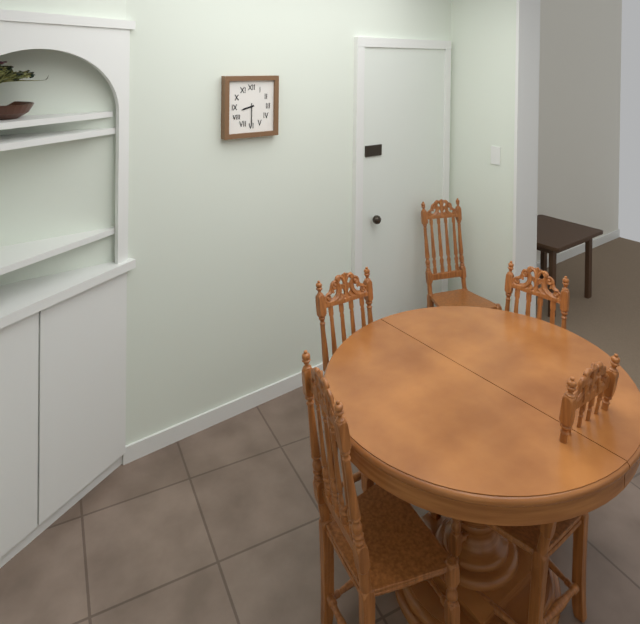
8.30
